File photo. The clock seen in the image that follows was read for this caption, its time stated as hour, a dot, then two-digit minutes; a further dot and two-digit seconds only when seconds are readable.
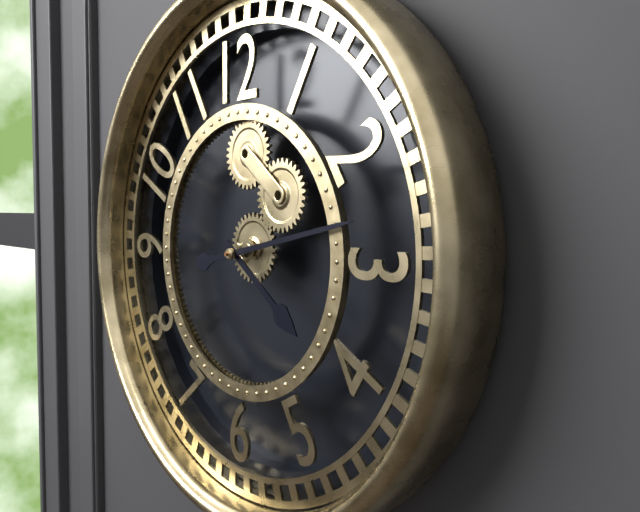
4.13
